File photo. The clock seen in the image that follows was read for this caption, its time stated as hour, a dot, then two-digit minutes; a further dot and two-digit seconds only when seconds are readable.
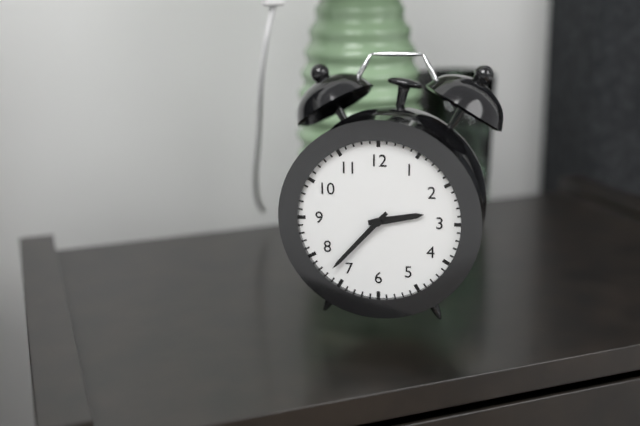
2.37
